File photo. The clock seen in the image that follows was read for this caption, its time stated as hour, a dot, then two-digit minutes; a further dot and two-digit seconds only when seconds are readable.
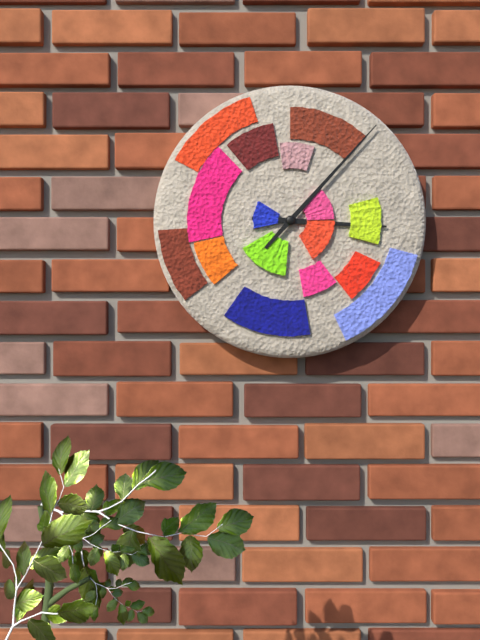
3.07
